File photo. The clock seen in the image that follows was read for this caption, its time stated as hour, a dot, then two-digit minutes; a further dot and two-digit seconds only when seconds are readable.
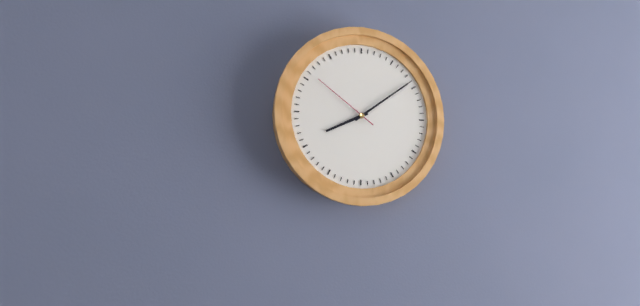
8.09.51
